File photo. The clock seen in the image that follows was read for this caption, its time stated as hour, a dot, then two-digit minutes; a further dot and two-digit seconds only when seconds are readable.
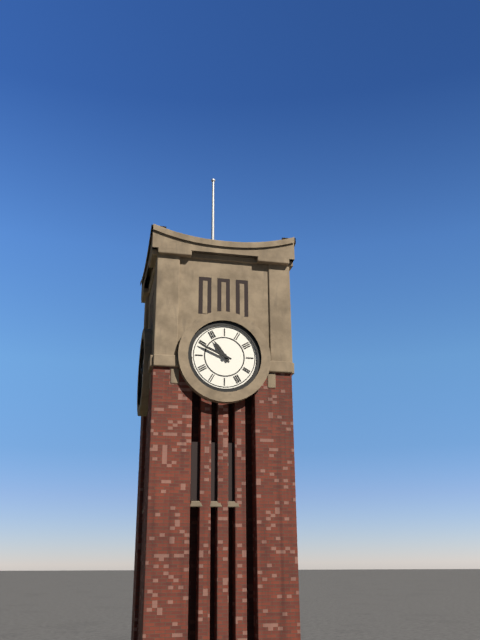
10.49
